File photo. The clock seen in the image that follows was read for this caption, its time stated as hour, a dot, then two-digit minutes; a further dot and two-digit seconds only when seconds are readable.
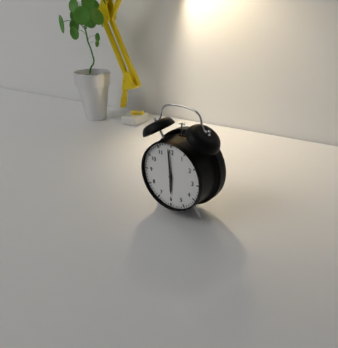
5.59
